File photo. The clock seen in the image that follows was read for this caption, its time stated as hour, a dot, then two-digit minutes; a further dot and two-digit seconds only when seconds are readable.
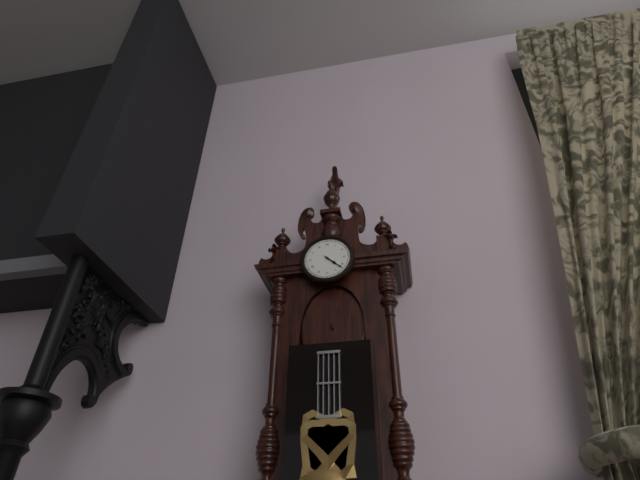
4.22
